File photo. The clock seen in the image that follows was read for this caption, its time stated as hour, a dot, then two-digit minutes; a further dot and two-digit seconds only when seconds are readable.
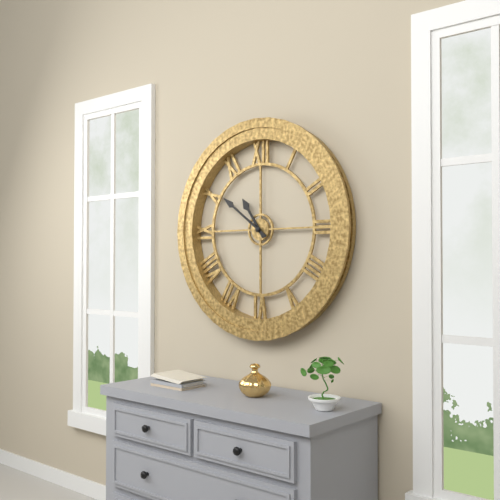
10.51
